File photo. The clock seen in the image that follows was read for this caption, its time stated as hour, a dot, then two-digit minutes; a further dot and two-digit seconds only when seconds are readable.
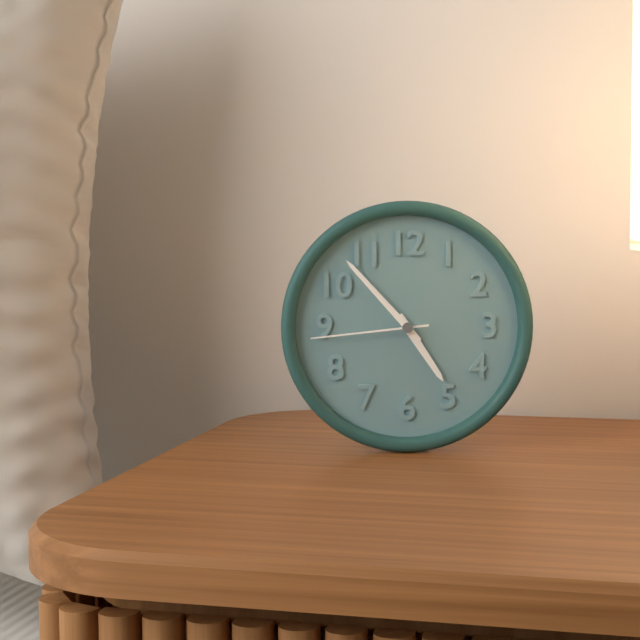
4.53.44
